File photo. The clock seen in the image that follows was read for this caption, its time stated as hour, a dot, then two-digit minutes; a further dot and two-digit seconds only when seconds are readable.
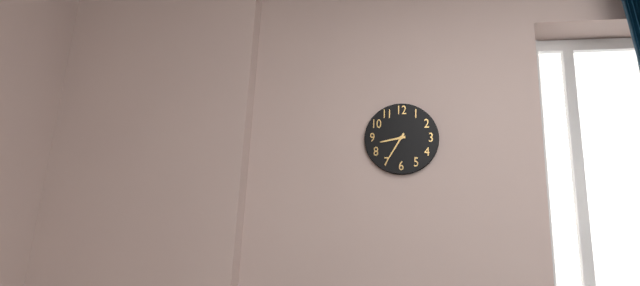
8.35
